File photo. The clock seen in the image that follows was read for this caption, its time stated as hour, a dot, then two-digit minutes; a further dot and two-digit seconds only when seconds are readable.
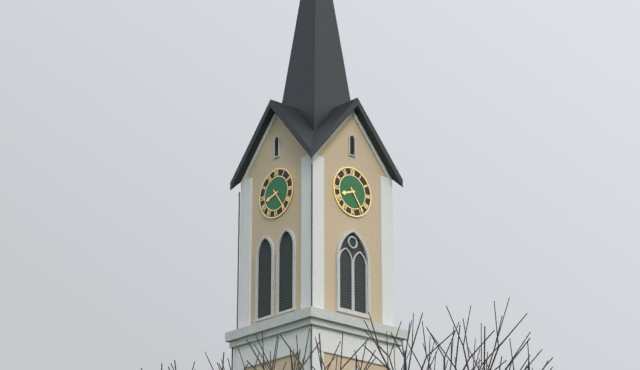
8.24
